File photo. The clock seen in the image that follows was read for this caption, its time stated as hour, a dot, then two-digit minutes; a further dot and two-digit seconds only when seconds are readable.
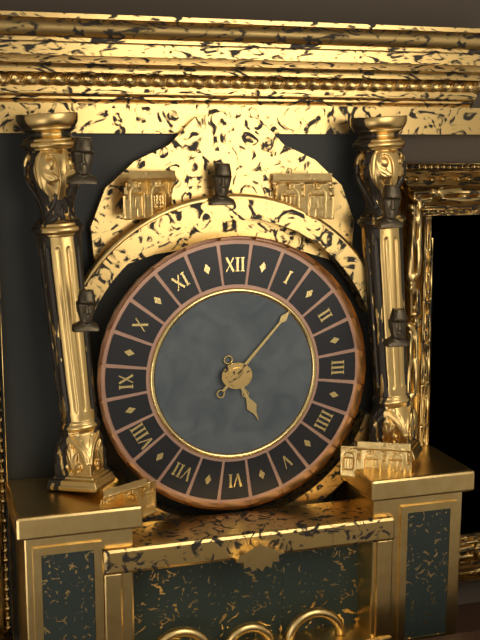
5.07
